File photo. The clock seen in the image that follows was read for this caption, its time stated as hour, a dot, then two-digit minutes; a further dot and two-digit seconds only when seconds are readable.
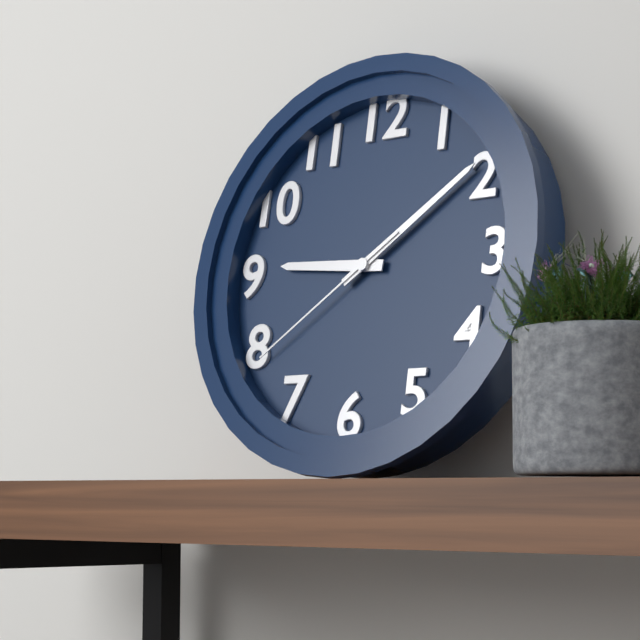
9.09.39
